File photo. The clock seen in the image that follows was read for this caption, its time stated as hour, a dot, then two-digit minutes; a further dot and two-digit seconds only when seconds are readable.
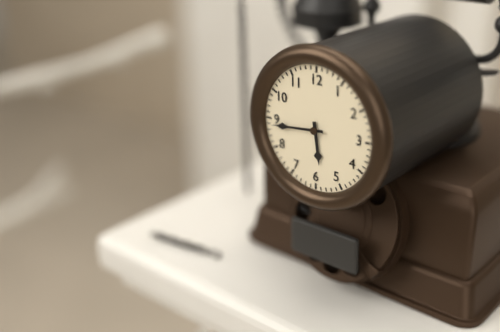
5.44
